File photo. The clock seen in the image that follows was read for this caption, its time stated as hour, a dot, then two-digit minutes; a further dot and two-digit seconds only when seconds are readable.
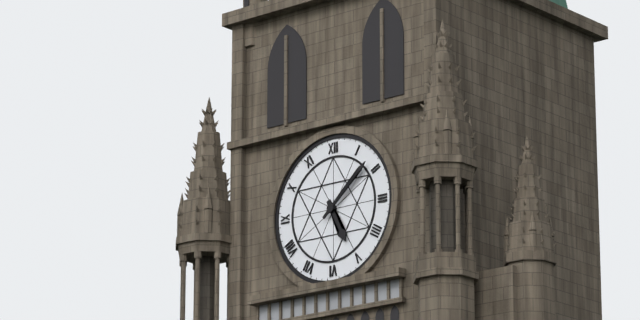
5.08
